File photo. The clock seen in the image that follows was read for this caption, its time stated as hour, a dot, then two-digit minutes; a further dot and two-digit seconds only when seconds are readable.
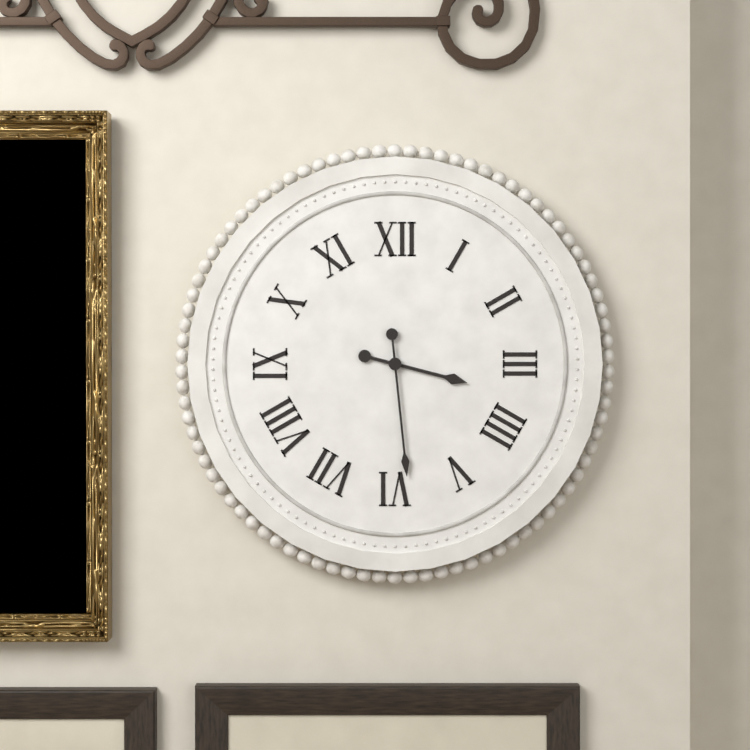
3.29
